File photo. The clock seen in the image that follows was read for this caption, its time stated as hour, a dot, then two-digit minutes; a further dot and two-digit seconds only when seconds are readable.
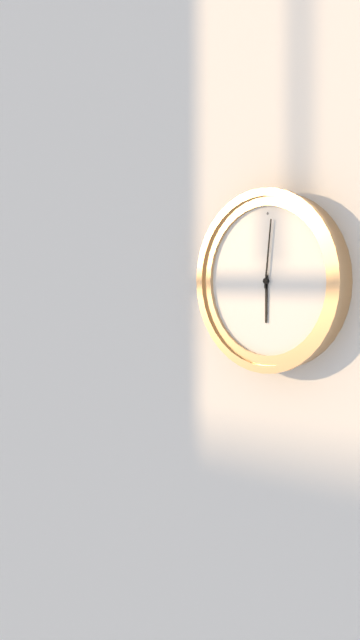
6.01
